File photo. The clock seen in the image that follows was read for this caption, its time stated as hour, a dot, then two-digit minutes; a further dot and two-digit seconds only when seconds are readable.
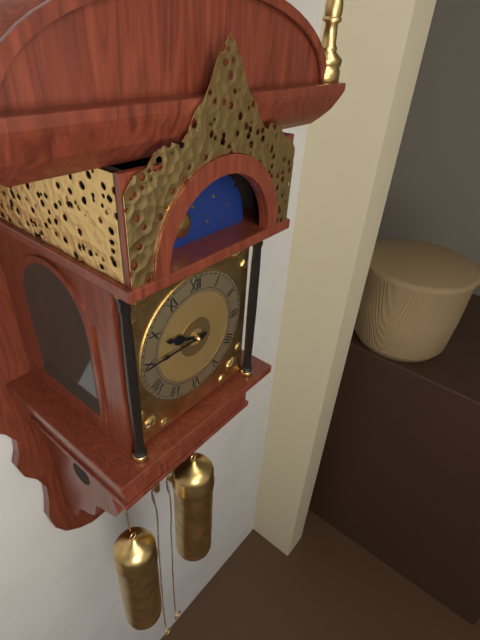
9.45
